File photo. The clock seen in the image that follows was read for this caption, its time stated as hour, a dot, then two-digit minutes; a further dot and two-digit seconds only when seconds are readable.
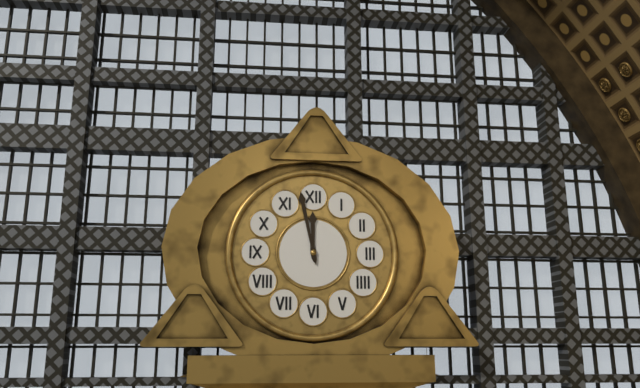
11.58
